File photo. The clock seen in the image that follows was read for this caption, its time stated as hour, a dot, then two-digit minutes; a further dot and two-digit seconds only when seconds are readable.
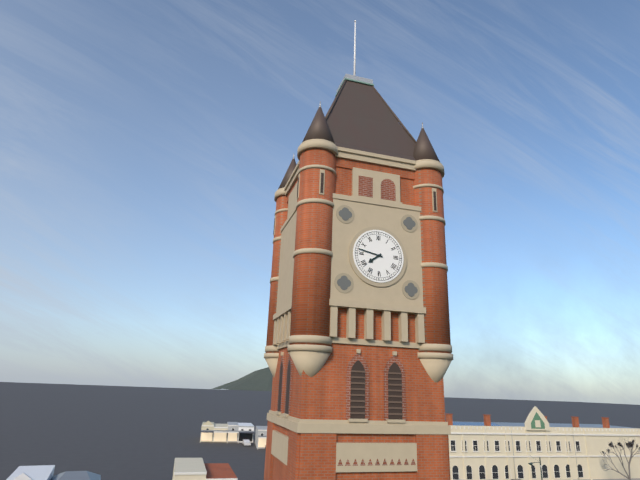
7.47
